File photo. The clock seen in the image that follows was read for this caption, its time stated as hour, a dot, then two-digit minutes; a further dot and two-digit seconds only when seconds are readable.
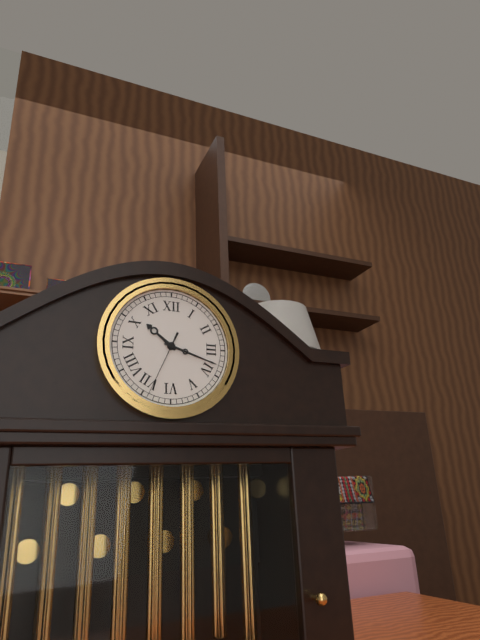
10.18.34
